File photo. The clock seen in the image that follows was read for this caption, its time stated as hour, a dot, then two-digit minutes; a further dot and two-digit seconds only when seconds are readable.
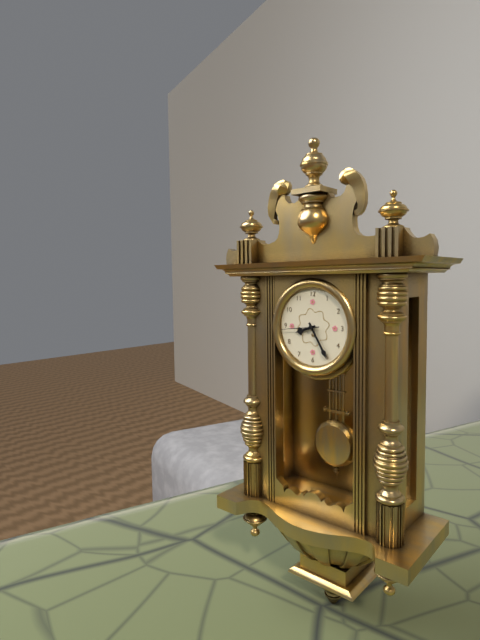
8.25
